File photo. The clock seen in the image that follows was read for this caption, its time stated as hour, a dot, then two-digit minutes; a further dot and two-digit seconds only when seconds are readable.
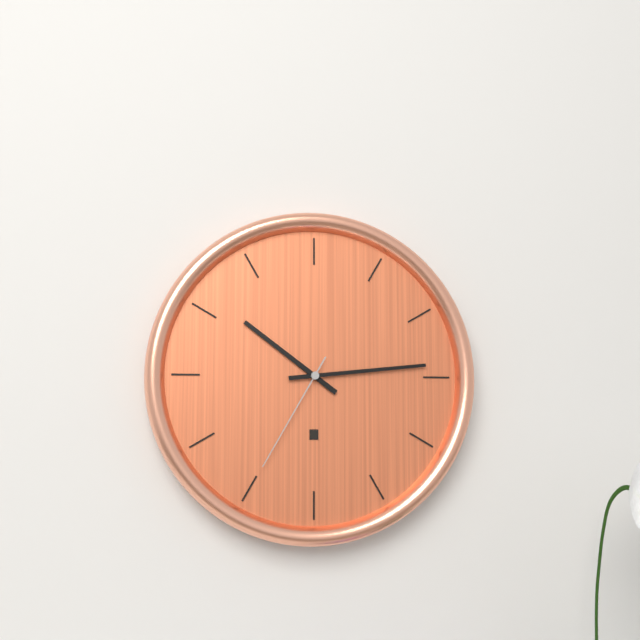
10.14.35
